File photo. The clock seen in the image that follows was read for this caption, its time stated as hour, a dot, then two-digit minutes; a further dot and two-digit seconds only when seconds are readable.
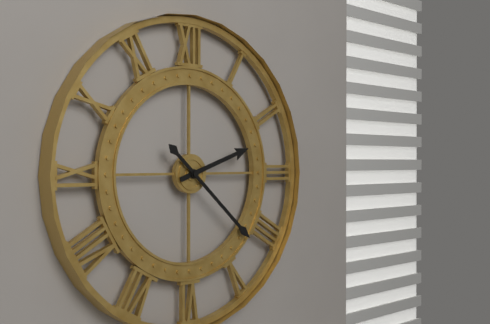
2.22
